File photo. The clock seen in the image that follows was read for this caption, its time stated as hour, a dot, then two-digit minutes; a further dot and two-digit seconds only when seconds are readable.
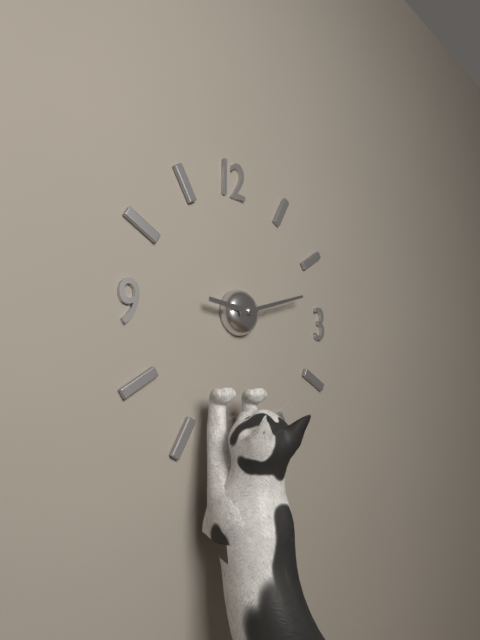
9.12
